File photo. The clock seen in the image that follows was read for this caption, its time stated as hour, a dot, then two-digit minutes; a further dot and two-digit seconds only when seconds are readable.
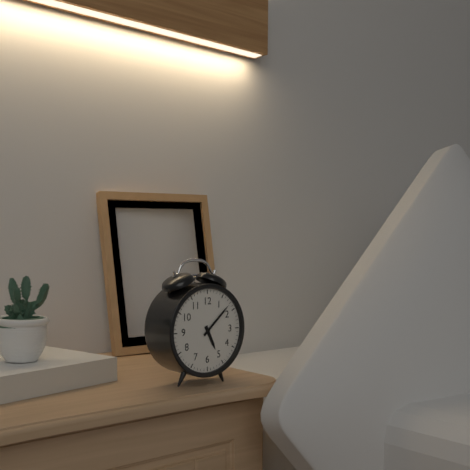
5.08
